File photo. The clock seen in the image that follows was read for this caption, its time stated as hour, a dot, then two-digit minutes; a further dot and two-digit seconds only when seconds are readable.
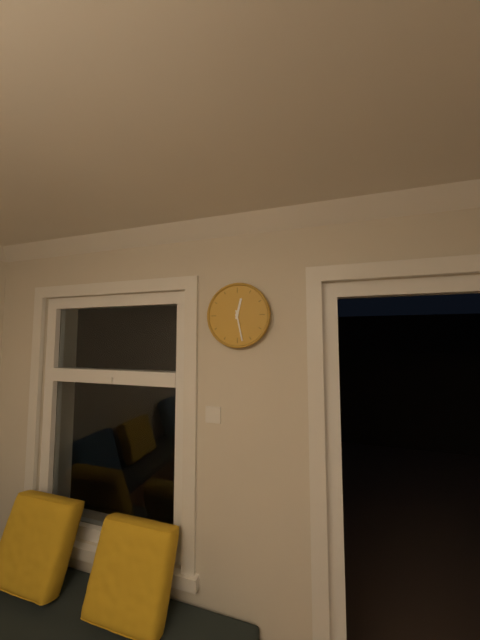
12.28
